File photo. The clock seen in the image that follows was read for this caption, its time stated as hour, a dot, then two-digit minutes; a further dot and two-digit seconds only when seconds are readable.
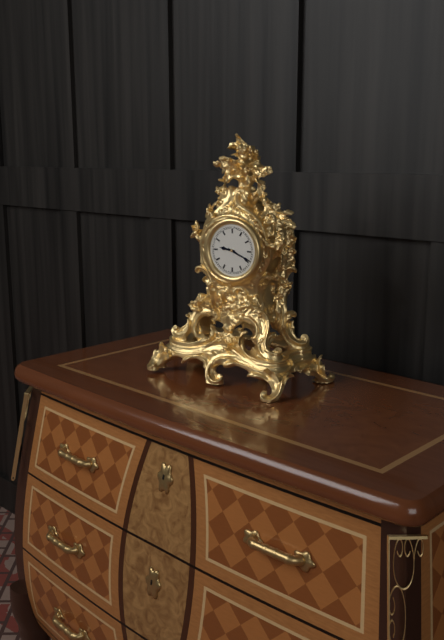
9.19
